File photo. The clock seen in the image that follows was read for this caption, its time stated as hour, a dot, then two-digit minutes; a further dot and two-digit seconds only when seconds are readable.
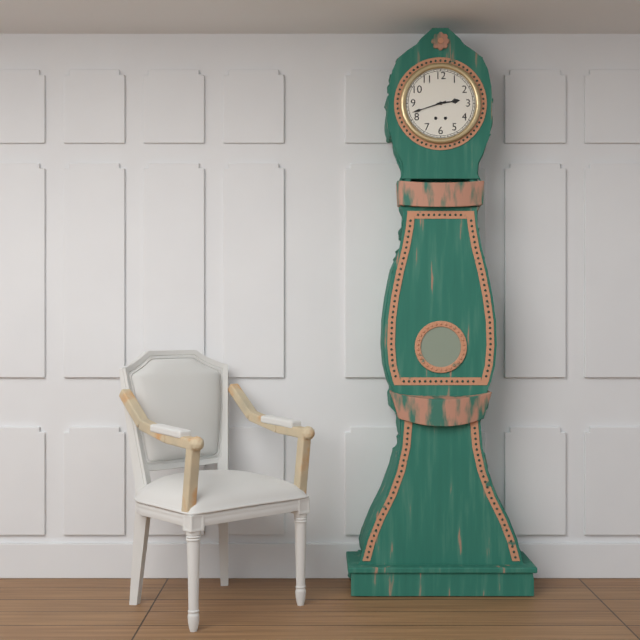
2.42
